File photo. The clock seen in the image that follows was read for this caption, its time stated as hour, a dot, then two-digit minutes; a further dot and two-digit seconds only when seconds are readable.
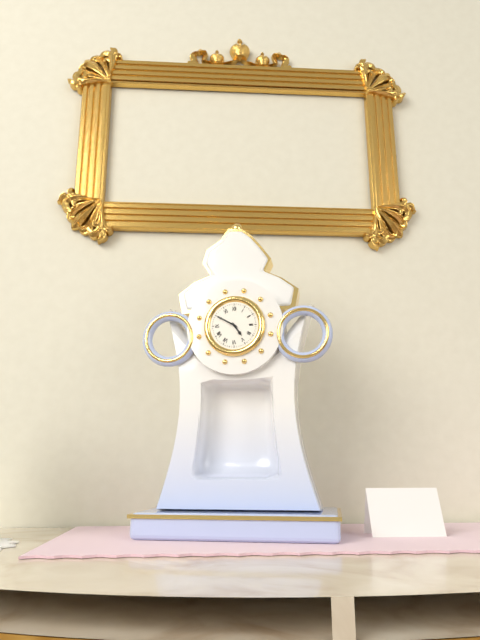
4.50
